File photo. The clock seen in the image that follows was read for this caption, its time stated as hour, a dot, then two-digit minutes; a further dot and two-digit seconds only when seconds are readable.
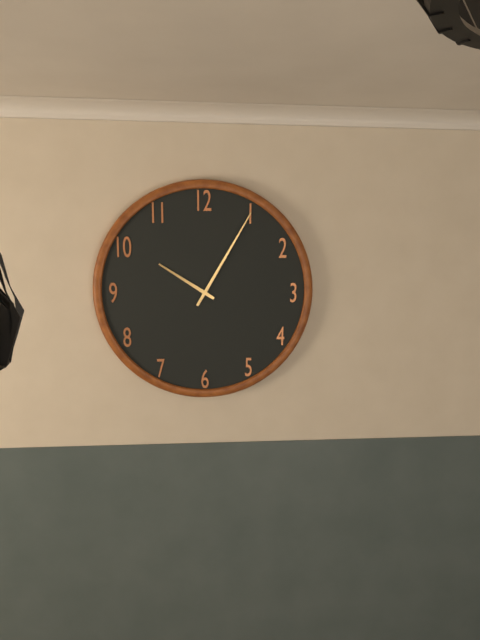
10.05
